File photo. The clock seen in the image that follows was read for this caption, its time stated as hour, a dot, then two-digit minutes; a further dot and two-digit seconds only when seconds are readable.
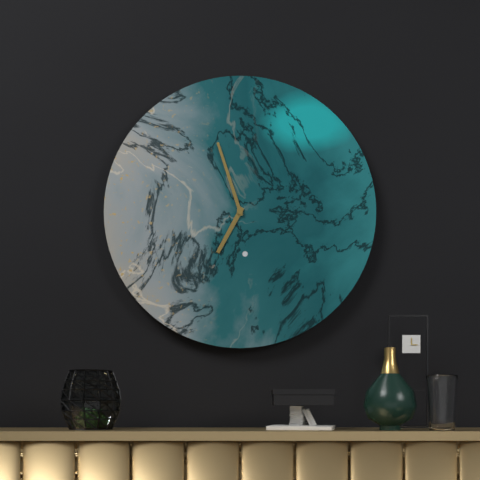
6.57
